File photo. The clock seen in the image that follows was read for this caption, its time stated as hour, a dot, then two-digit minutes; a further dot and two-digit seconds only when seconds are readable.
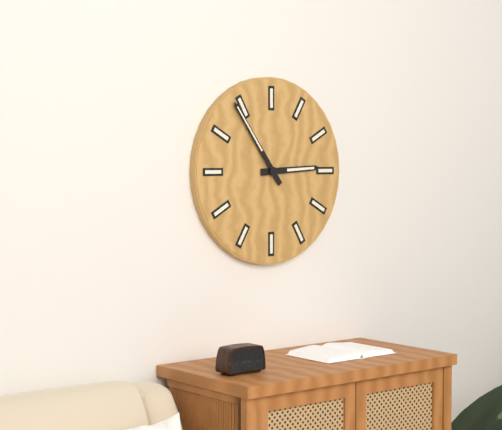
2.54
